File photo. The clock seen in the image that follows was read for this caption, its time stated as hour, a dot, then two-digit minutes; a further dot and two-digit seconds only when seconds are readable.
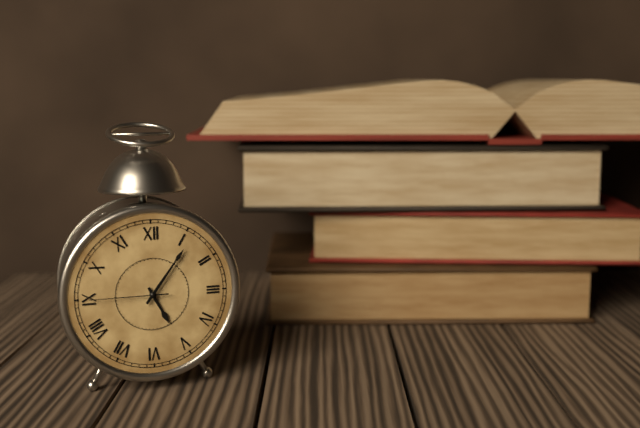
5.06.45
